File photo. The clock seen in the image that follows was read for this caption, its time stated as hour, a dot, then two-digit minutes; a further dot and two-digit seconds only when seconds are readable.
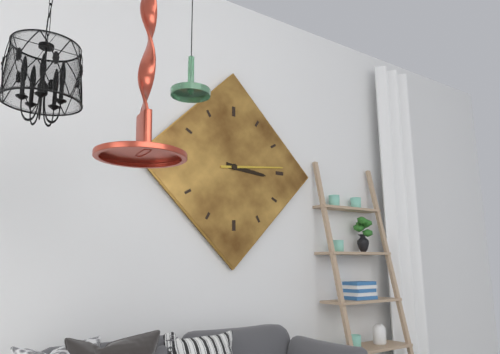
3.14
